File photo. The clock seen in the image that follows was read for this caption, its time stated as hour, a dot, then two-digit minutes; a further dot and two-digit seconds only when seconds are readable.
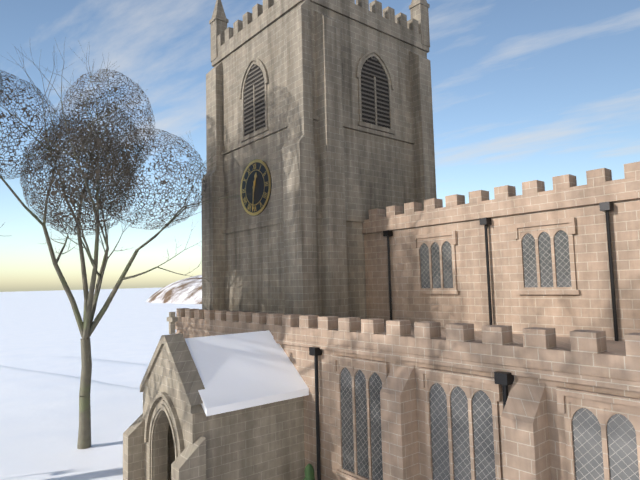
12.31
